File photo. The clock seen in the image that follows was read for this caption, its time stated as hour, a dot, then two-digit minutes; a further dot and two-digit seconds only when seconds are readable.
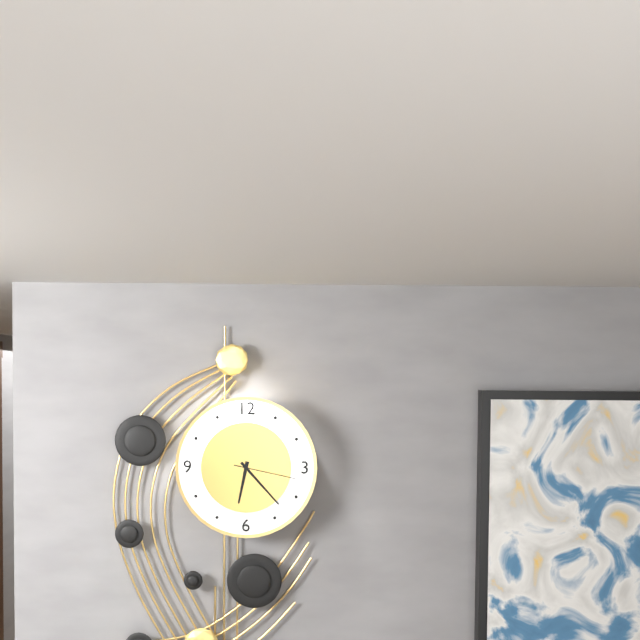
6.23.17
